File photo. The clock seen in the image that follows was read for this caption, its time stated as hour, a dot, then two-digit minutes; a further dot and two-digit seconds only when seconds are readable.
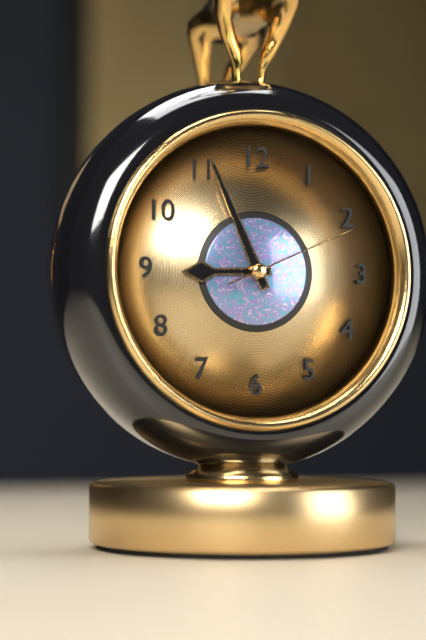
8.56.11
